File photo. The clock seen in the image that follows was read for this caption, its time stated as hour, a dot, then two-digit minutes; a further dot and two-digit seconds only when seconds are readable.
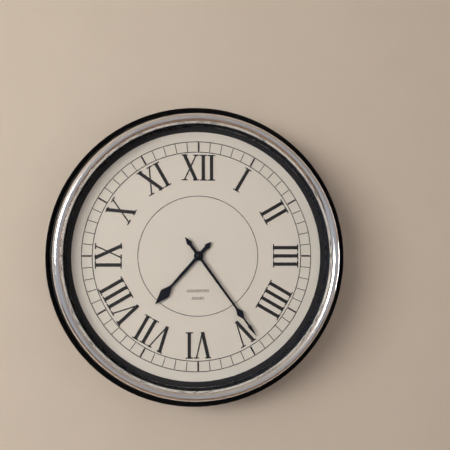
7.24
